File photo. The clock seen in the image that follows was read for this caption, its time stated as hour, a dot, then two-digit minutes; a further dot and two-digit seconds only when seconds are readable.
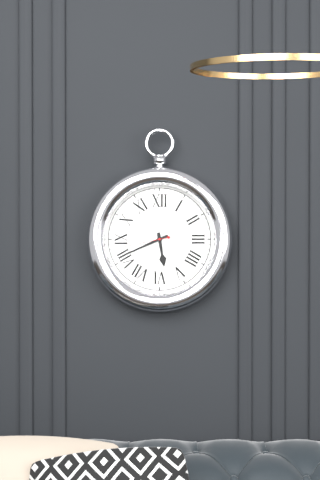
5.41.43
